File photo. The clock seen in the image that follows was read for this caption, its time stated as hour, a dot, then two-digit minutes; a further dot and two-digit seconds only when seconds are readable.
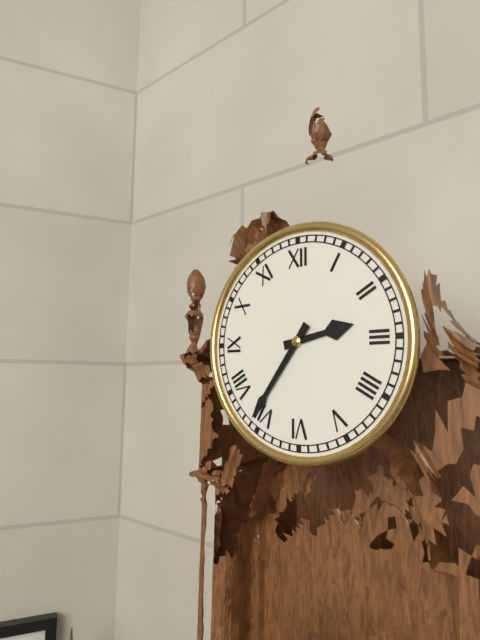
2.36
